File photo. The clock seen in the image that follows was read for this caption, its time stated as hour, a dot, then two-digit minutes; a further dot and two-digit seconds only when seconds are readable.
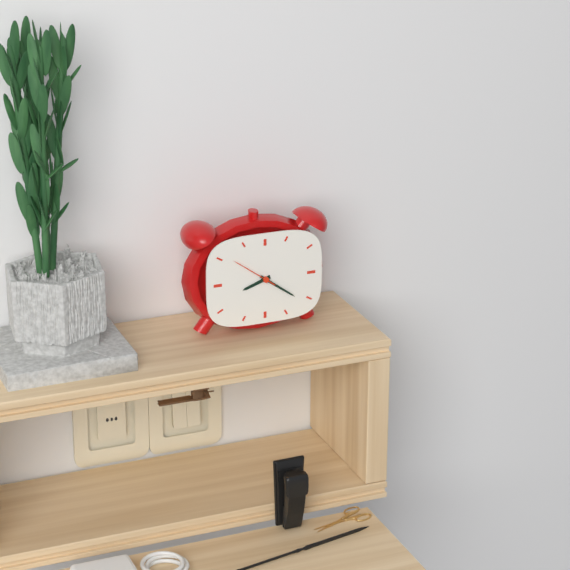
8.21
